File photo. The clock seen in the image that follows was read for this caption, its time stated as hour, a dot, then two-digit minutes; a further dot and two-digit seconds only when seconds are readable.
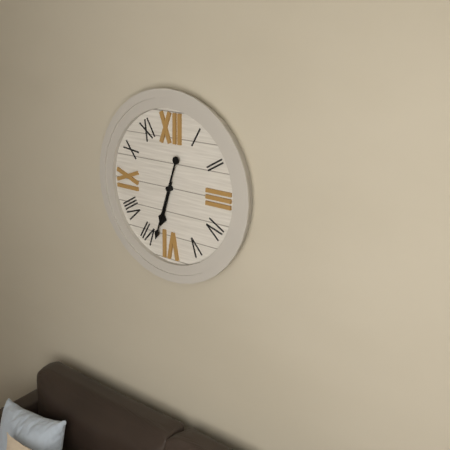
6.33
